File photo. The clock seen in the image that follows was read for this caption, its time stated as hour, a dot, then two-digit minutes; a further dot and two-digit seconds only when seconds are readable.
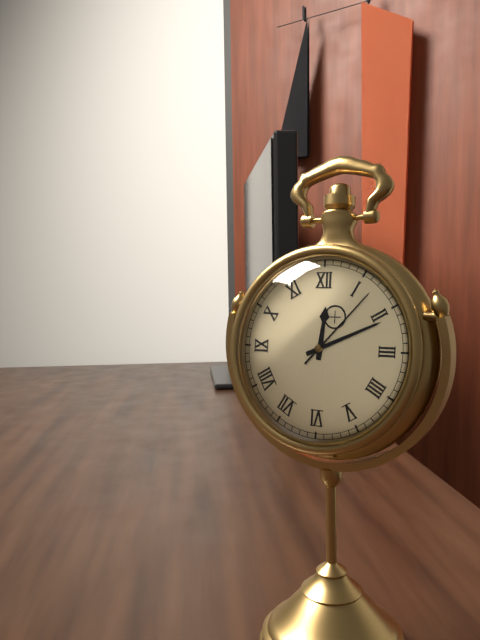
12.11.07
